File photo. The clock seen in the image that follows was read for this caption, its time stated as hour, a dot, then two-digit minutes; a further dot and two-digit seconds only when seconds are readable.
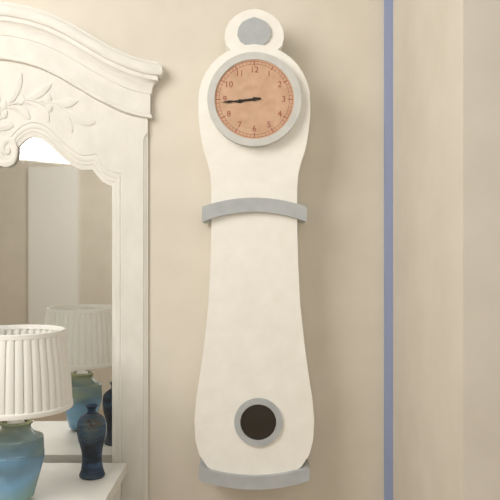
8.44
